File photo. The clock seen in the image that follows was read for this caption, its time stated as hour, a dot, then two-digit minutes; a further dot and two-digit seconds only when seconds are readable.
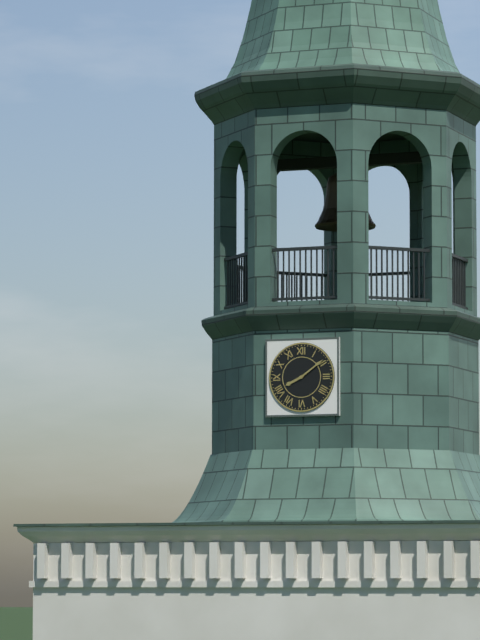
8.09
